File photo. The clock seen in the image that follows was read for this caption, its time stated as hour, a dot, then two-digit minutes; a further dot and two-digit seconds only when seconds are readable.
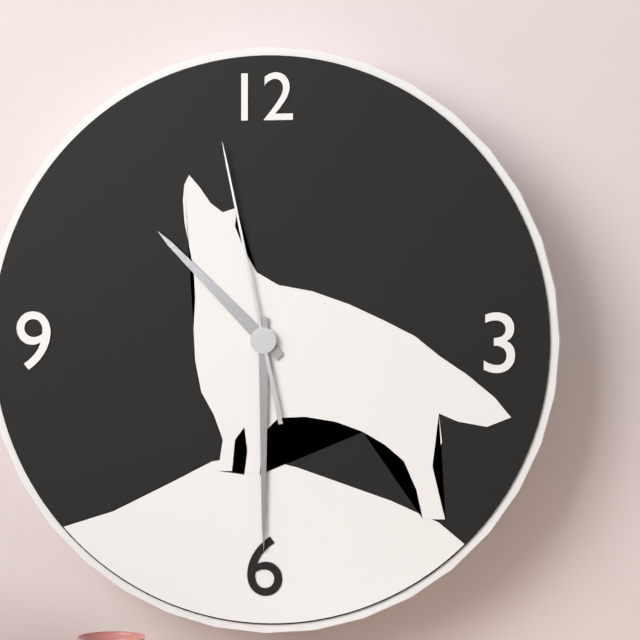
10.30.58
